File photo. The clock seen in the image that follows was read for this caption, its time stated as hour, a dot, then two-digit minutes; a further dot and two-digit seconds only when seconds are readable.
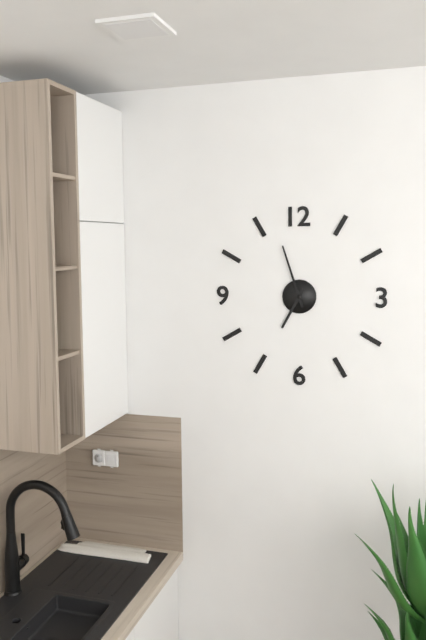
6.57
